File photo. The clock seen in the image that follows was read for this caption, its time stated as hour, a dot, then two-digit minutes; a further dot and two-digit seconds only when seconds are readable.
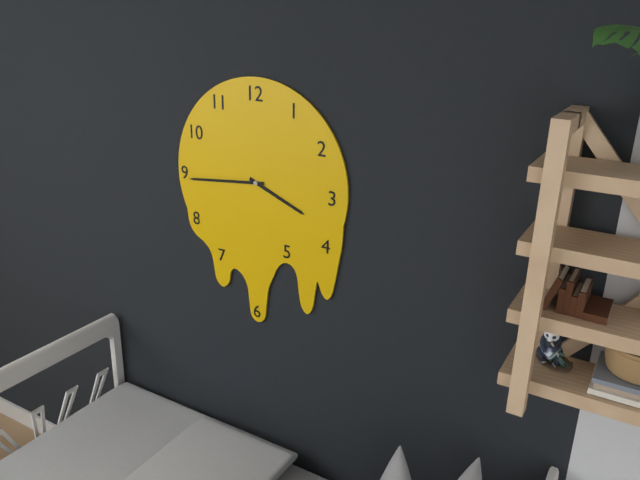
3.44
